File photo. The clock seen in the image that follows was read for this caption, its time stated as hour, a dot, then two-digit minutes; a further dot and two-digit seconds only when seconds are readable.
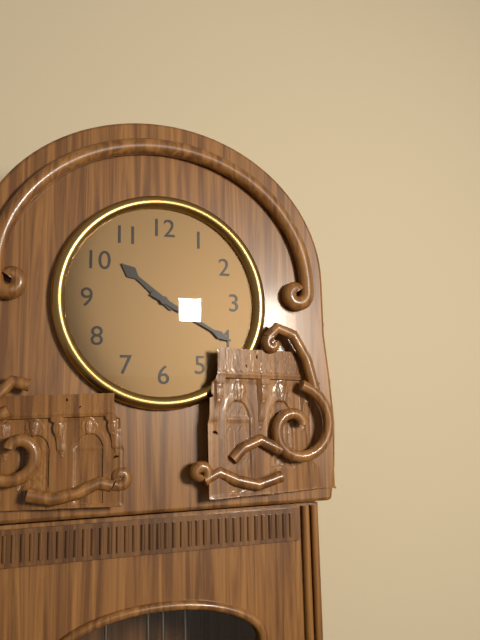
10.20
